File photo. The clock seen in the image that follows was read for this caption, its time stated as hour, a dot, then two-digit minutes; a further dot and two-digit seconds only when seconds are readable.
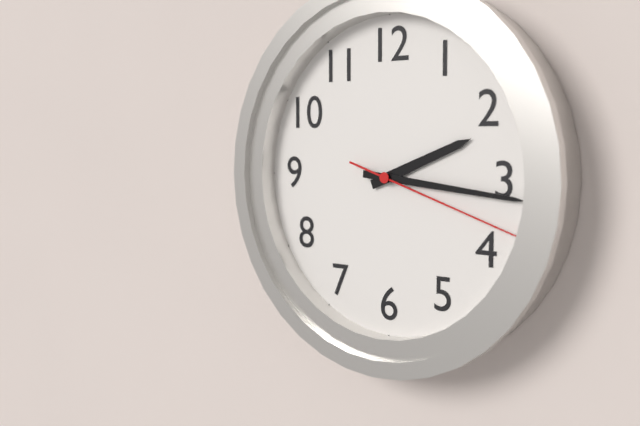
2.16.18
